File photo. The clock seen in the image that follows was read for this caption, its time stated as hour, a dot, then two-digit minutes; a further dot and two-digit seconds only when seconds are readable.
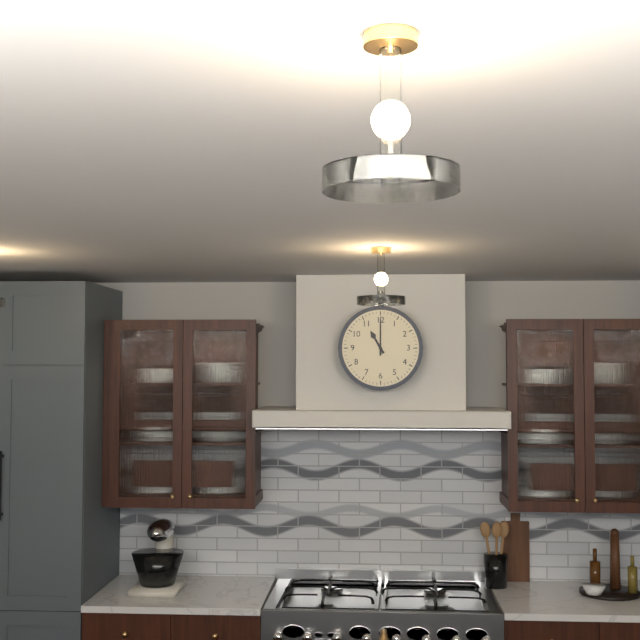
11.00
